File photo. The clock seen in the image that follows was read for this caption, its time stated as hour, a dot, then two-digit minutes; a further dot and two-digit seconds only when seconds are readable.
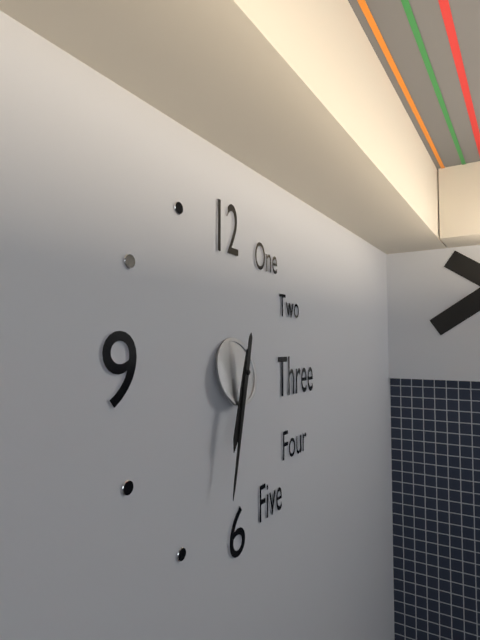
6.32
